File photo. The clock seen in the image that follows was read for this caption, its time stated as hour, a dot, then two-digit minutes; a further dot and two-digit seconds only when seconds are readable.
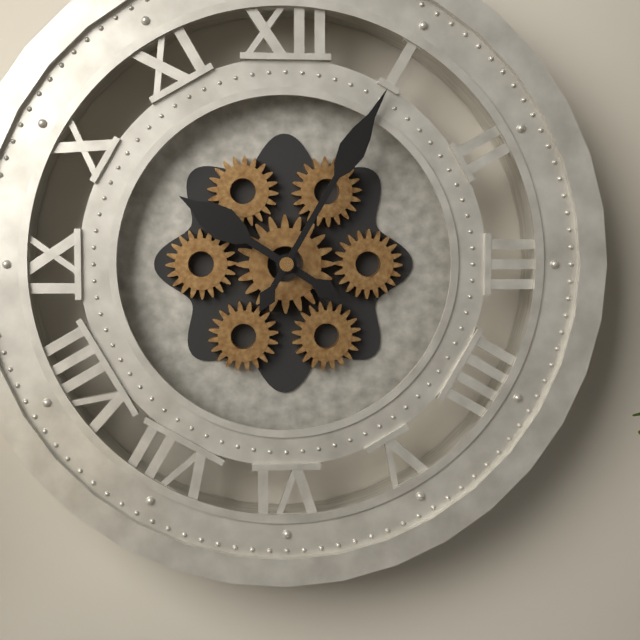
10.05
